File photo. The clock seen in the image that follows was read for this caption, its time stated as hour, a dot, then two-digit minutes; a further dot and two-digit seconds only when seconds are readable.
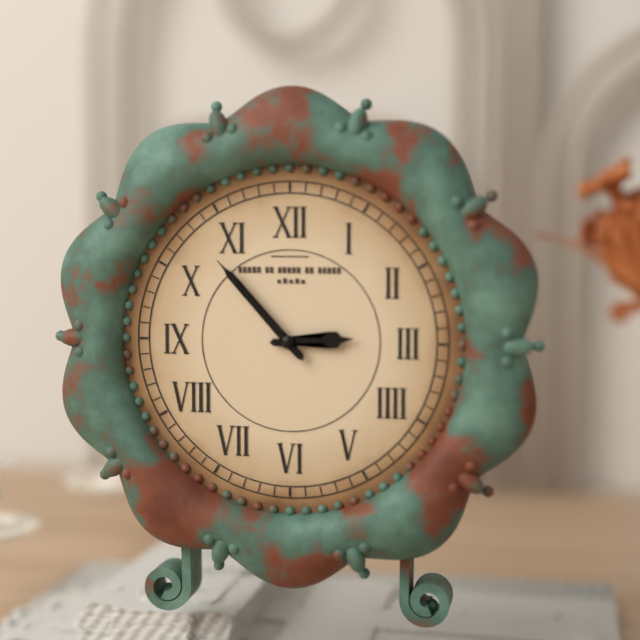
2.53
